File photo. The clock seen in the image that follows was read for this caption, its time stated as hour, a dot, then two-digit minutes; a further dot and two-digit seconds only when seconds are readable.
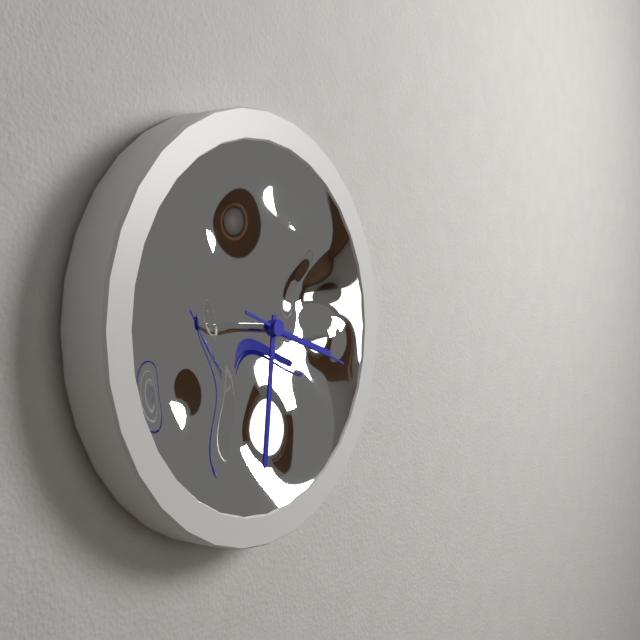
3.31.18
